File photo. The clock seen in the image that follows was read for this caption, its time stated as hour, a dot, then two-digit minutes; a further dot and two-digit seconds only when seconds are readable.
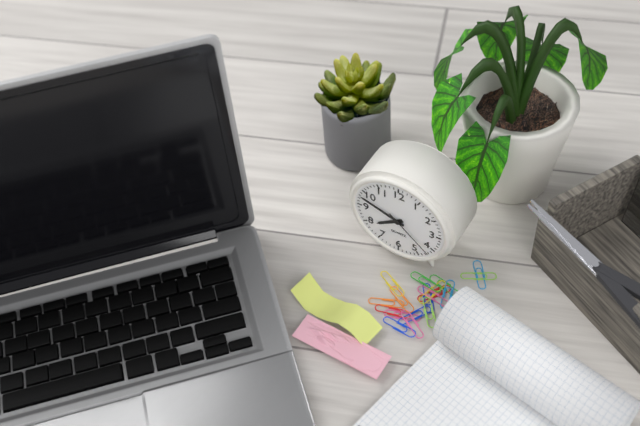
7.48.22
